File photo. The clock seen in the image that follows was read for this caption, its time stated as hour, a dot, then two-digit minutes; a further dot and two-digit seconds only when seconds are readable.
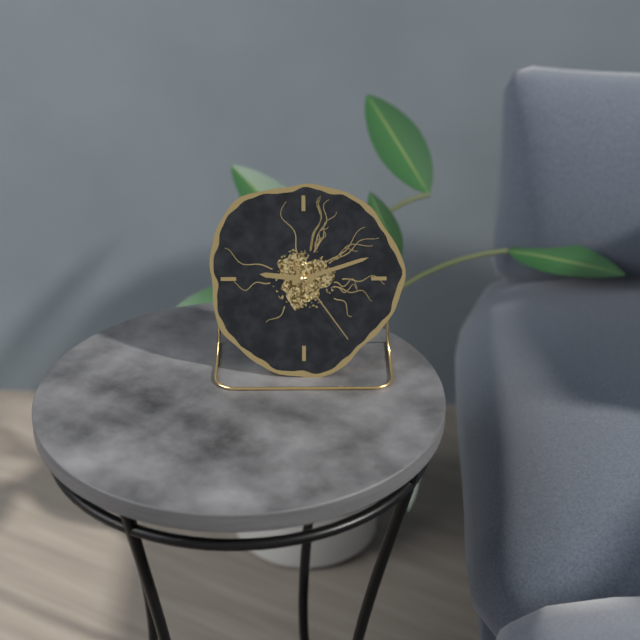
9.12.24
